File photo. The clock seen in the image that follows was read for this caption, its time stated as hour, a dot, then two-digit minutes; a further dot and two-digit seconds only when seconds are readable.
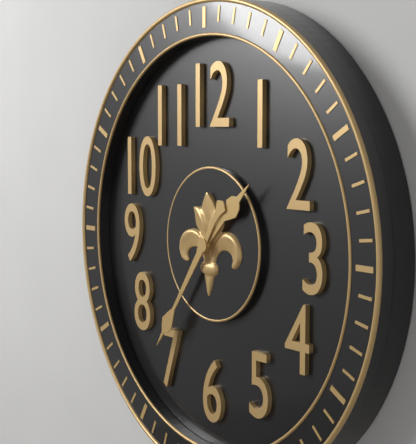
1.36
